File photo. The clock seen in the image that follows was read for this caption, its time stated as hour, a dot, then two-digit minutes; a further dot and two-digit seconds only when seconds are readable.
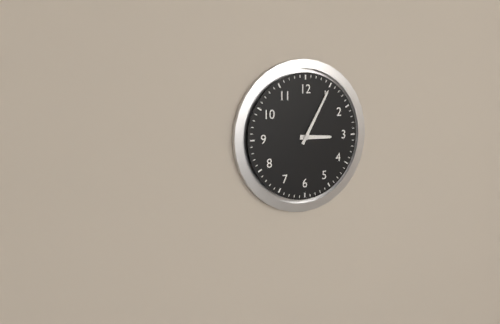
3.05
